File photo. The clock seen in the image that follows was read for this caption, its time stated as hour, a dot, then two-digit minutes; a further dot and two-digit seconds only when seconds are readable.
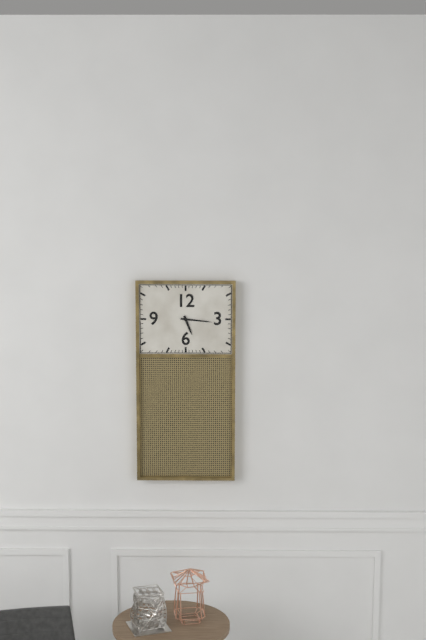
5.16
